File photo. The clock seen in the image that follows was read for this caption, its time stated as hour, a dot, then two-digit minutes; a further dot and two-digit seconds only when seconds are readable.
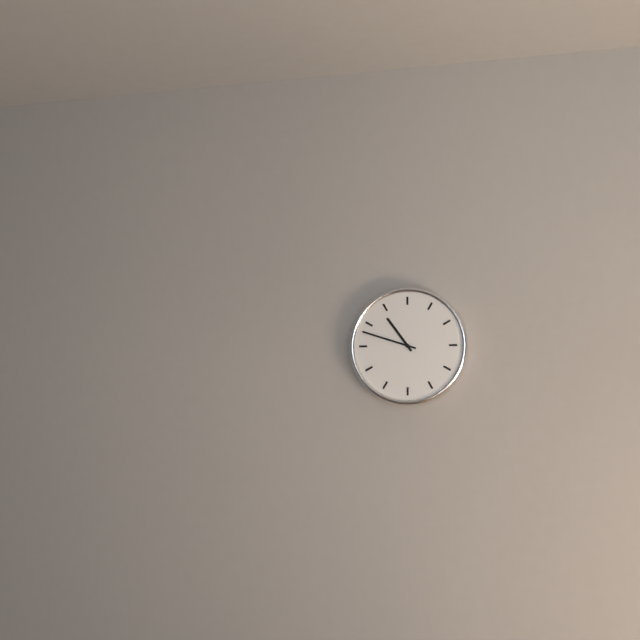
10.48
